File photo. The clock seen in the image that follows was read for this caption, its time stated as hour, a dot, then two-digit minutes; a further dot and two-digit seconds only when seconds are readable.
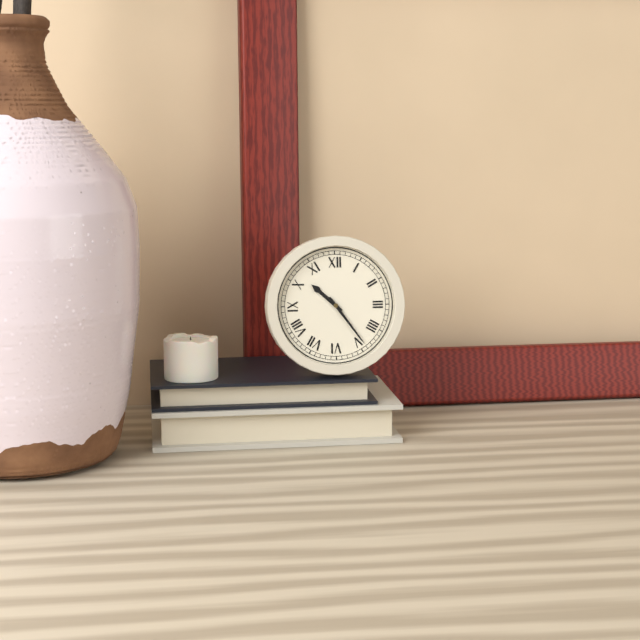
10.24
